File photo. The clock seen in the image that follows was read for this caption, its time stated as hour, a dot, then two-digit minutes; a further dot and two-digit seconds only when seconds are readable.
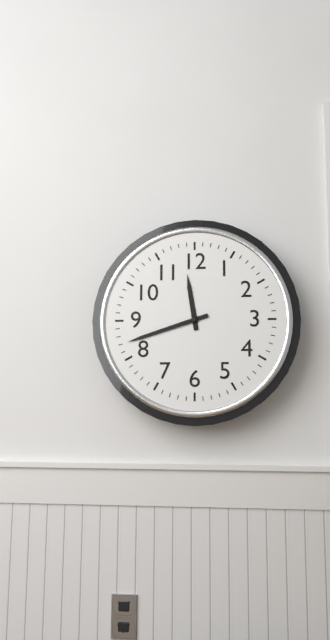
11.42
